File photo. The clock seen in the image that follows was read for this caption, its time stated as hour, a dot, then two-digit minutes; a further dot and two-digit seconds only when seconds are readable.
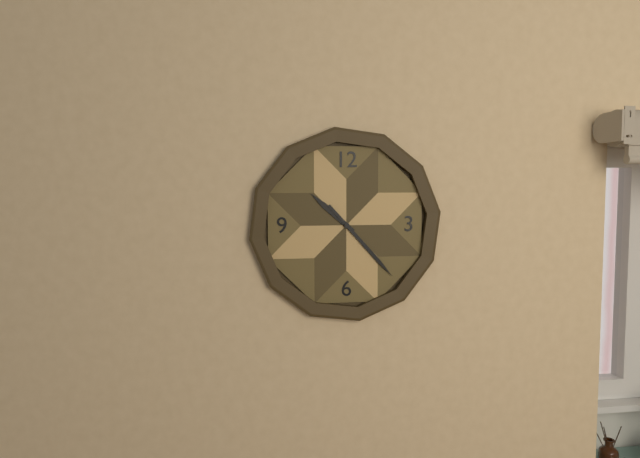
10.23
